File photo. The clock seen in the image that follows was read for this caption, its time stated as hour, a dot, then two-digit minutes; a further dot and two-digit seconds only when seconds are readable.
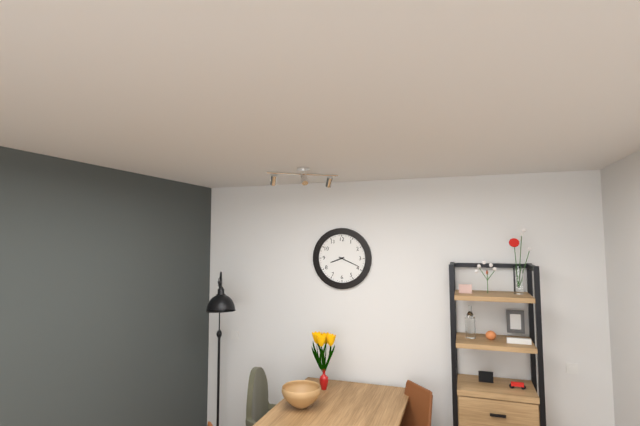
8.19
